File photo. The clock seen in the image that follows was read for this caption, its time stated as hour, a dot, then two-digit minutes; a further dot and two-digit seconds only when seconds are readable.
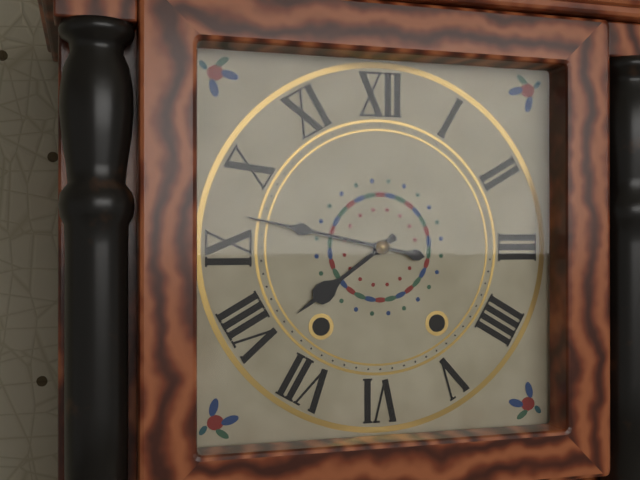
7.47
